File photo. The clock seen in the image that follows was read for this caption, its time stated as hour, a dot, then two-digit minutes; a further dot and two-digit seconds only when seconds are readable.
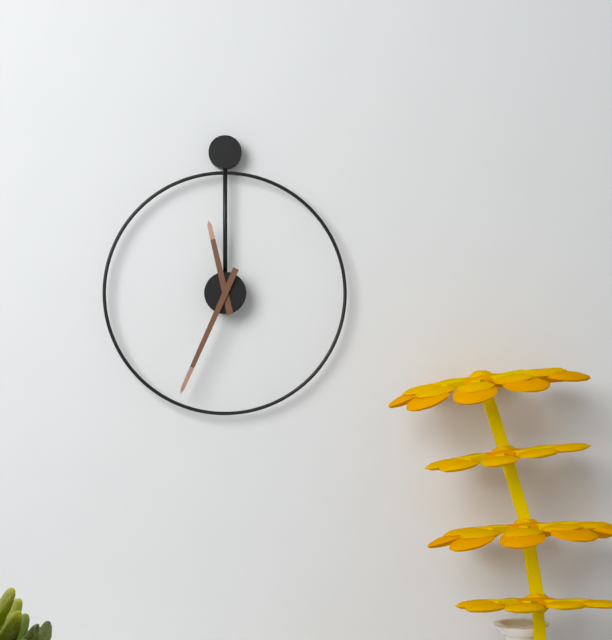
11.34
